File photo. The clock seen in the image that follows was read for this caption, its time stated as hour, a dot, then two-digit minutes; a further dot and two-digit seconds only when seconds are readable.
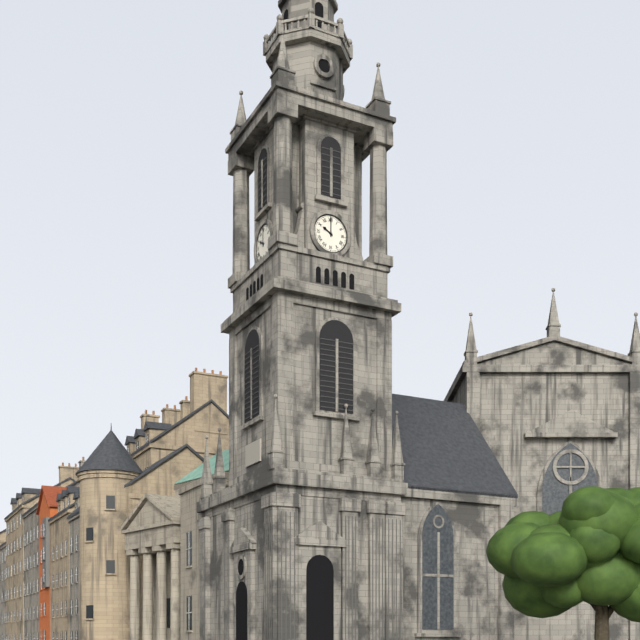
10.00
